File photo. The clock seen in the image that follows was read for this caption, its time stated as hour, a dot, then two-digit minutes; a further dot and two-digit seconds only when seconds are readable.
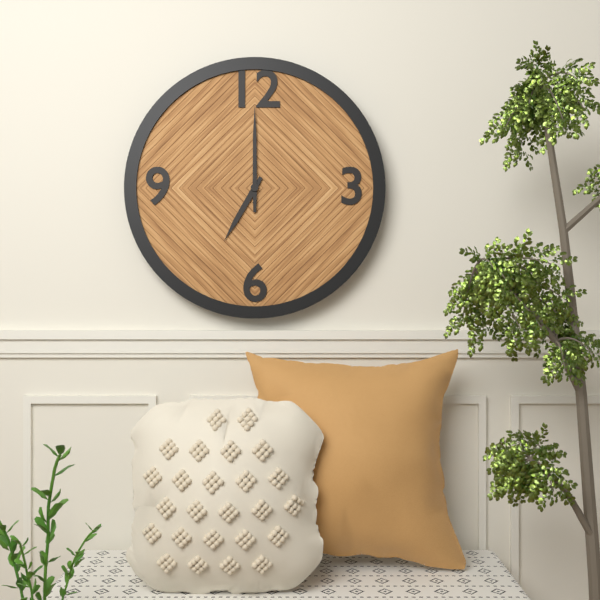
7.00
